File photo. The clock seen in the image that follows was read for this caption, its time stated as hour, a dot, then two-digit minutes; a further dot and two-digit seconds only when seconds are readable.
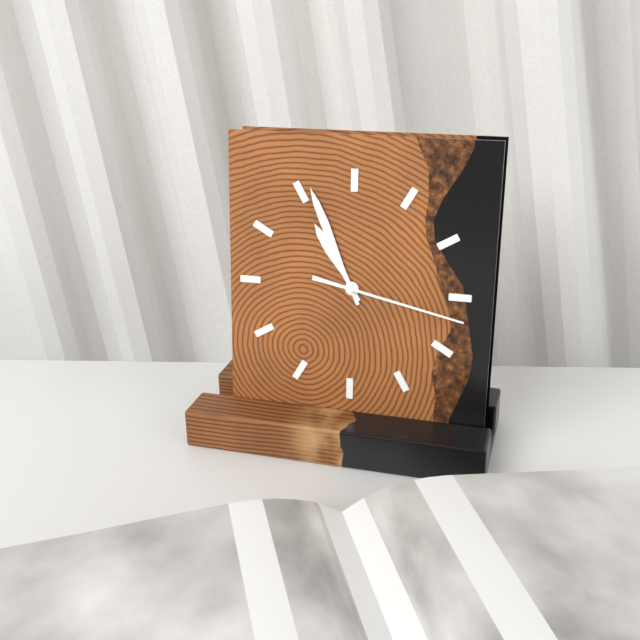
10.56.17
